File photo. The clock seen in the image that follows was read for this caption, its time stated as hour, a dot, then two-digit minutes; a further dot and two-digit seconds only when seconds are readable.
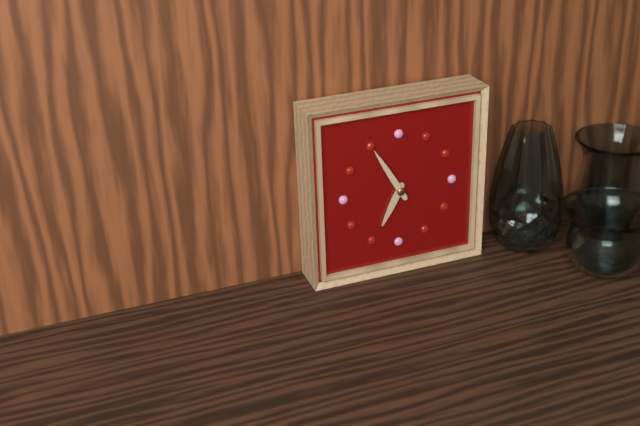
6.55
